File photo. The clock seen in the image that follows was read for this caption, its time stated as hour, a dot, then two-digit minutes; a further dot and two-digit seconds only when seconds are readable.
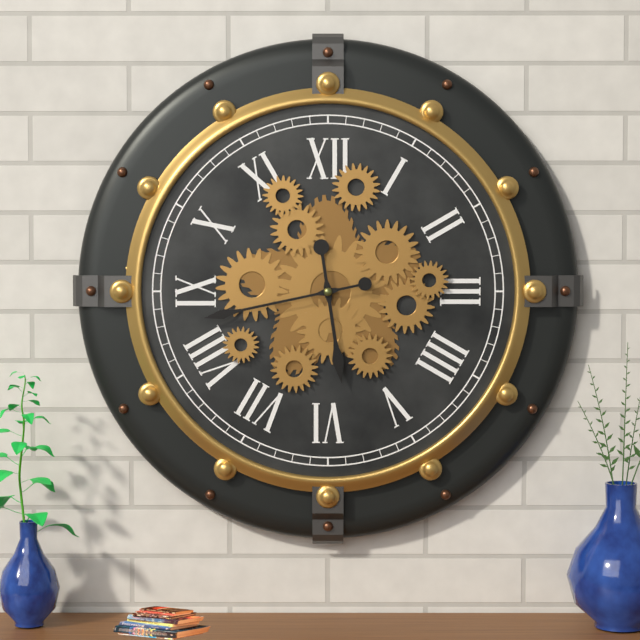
5.43
